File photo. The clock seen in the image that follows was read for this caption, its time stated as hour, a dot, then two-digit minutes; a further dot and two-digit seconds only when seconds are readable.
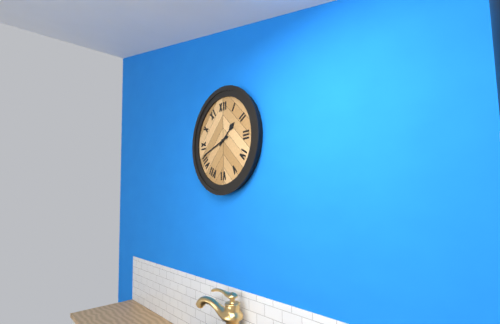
1.42
